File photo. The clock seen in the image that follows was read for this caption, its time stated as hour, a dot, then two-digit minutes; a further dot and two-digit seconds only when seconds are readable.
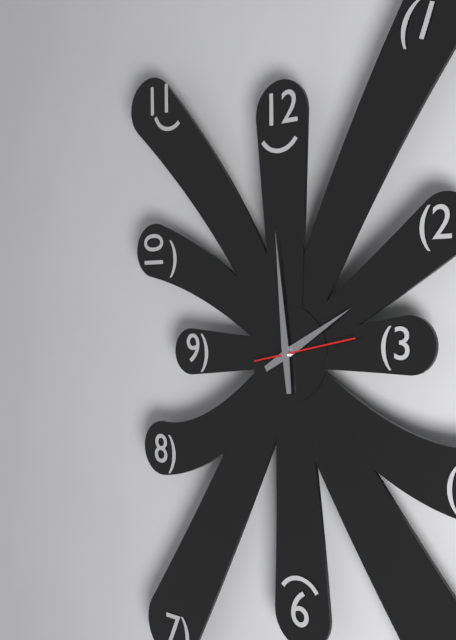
1.59.13
